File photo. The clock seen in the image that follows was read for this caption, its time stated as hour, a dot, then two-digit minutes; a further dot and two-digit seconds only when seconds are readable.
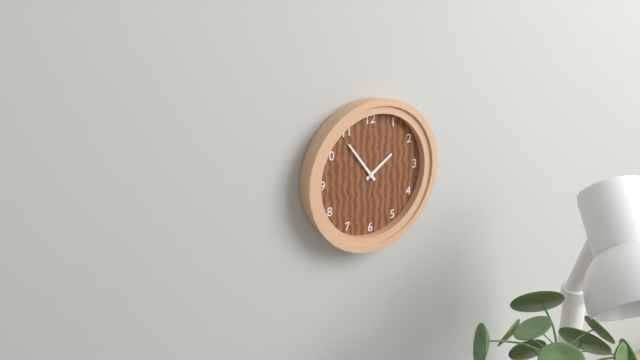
1.54
